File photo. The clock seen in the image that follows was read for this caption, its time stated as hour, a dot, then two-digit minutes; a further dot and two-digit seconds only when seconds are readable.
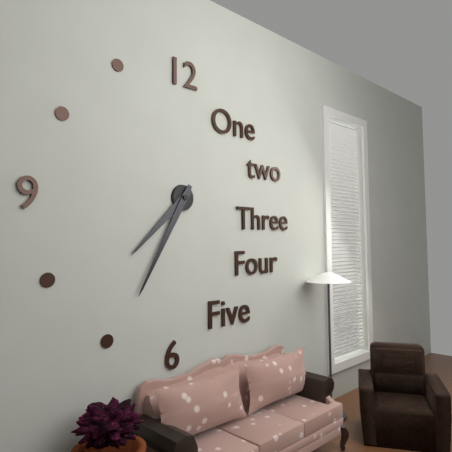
7.35
